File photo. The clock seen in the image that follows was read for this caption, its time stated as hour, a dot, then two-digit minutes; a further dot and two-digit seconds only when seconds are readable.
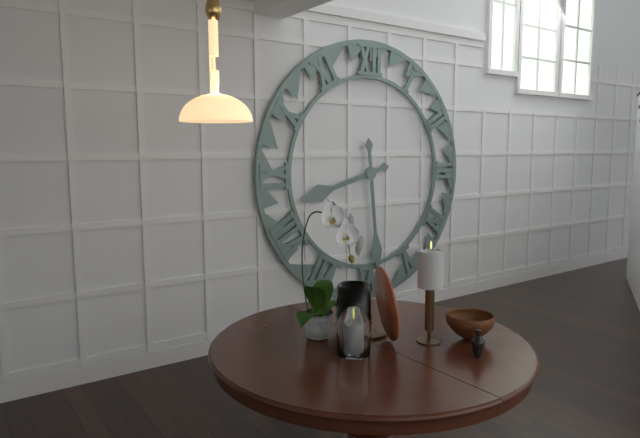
8.29
